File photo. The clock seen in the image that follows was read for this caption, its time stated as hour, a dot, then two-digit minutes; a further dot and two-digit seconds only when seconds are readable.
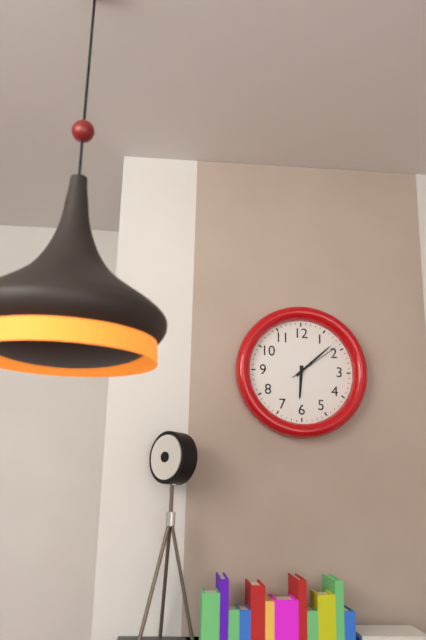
6.08.09
